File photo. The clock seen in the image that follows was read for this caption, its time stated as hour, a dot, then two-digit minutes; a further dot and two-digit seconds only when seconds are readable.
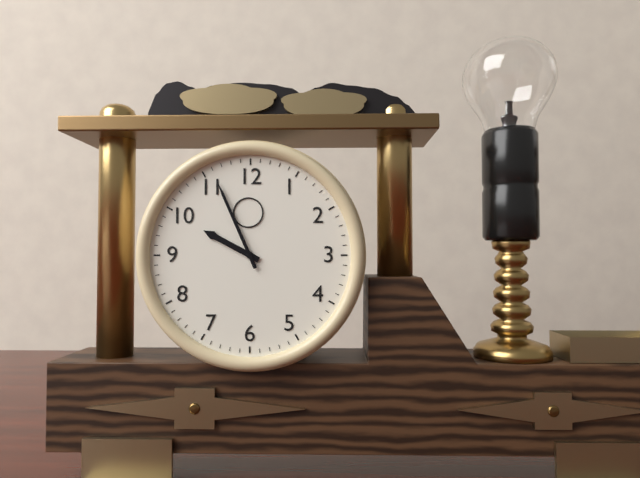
9.56
